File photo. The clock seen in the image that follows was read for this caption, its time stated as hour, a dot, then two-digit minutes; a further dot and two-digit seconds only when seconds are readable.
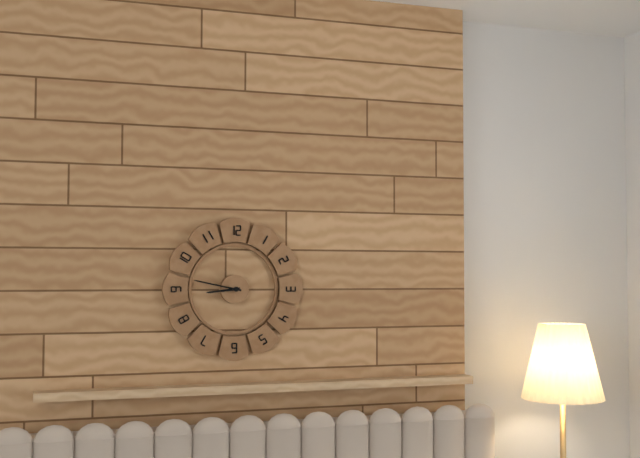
8.47
